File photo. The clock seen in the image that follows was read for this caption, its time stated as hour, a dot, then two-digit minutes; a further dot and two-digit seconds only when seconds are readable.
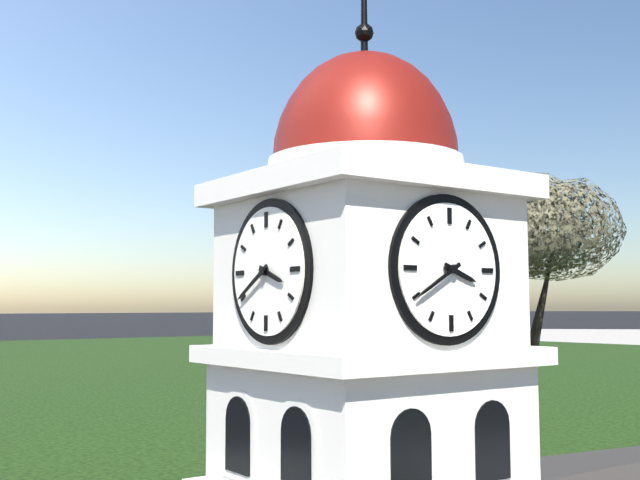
3.40
